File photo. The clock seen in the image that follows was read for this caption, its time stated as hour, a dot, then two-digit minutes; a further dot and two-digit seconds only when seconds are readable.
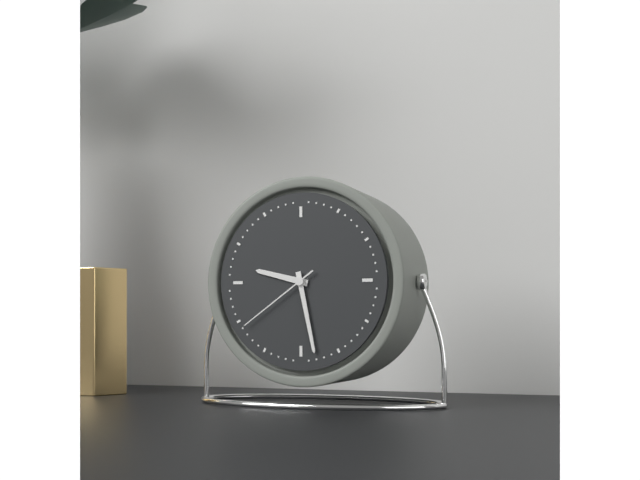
9.28.39
